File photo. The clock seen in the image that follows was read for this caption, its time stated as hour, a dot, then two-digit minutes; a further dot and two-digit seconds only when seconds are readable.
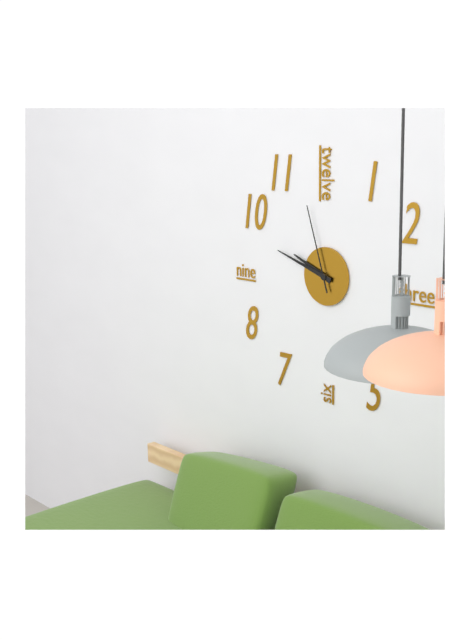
9.48.57
